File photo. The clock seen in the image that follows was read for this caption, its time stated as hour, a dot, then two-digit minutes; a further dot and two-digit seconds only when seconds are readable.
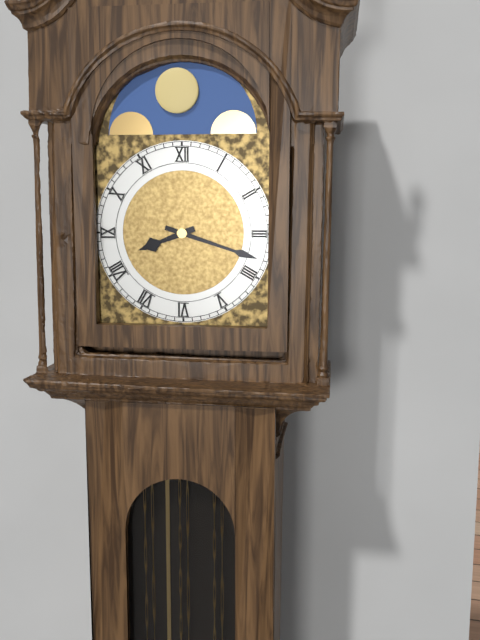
8.18
